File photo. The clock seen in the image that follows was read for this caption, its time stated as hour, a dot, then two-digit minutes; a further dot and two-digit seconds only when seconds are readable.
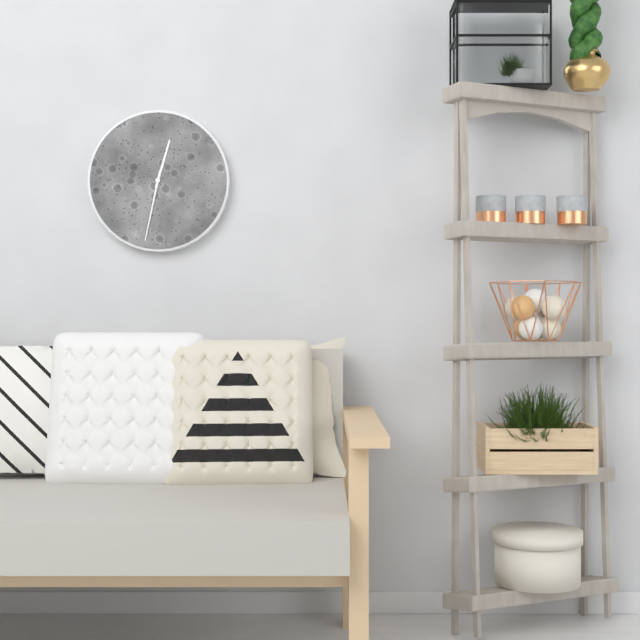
12.32
